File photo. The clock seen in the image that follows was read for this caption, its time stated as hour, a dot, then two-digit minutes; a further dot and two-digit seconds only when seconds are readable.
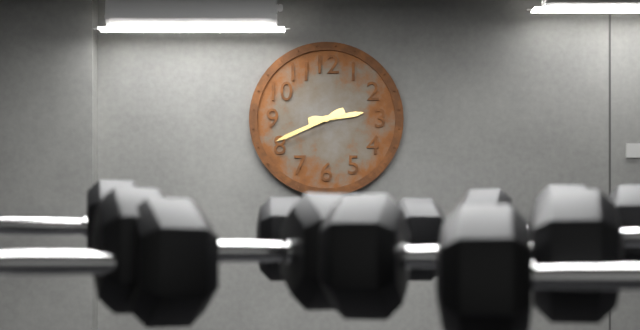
2.41
